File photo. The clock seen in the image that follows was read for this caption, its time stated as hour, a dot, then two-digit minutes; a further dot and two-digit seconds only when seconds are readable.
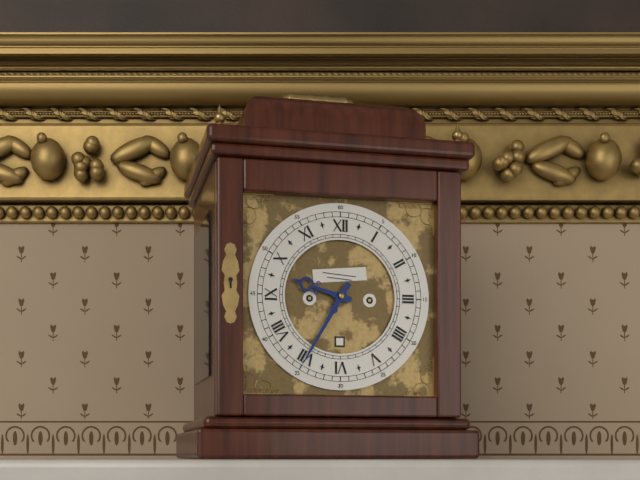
9.35
